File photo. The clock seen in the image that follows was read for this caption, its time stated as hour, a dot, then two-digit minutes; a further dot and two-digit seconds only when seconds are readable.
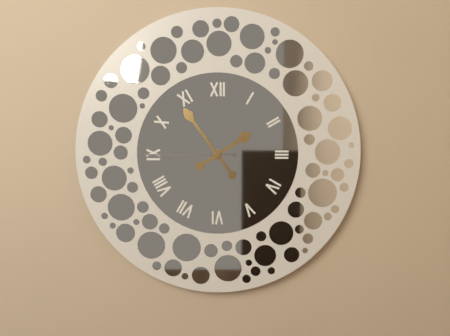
1.54.45
